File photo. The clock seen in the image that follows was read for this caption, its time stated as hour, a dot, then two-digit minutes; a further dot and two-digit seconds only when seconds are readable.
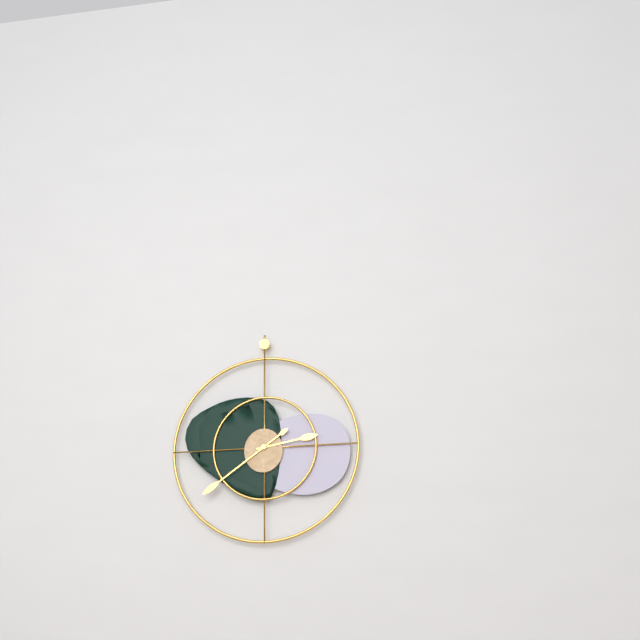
2.39
